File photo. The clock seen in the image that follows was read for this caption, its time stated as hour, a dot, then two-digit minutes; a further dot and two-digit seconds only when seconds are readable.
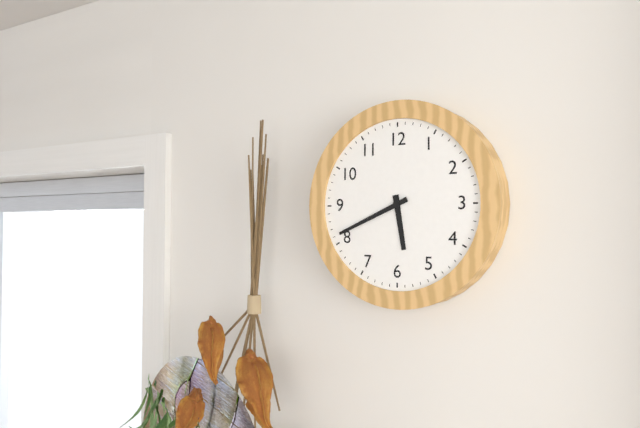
5.41
